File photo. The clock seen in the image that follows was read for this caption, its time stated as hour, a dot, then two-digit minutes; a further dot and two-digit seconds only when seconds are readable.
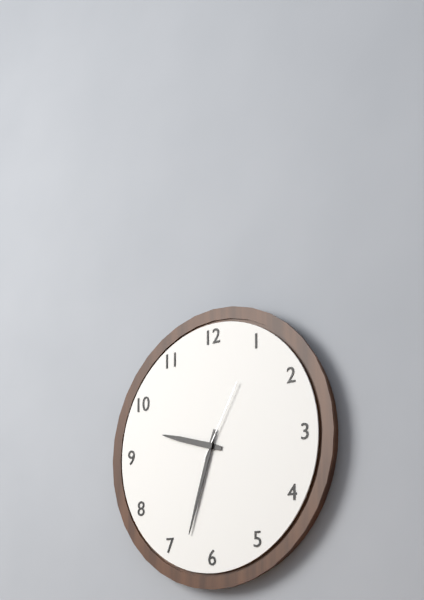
9.33.05
